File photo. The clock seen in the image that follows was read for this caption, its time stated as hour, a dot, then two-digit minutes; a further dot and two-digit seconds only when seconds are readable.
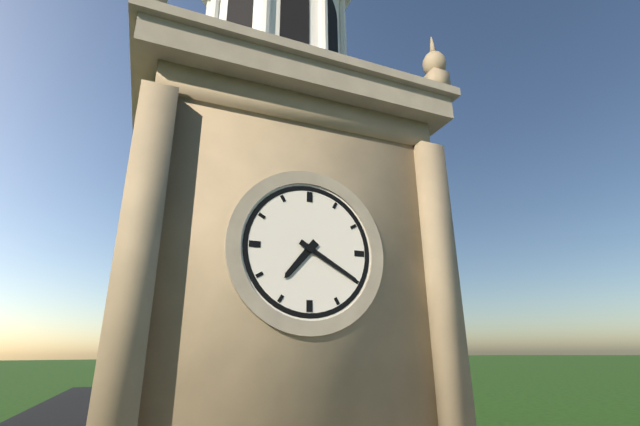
7.20
